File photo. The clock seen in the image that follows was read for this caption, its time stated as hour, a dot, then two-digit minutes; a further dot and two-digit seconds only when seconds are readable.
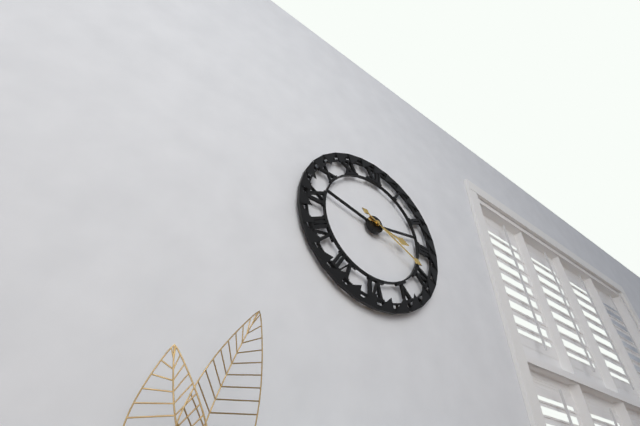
3.19
